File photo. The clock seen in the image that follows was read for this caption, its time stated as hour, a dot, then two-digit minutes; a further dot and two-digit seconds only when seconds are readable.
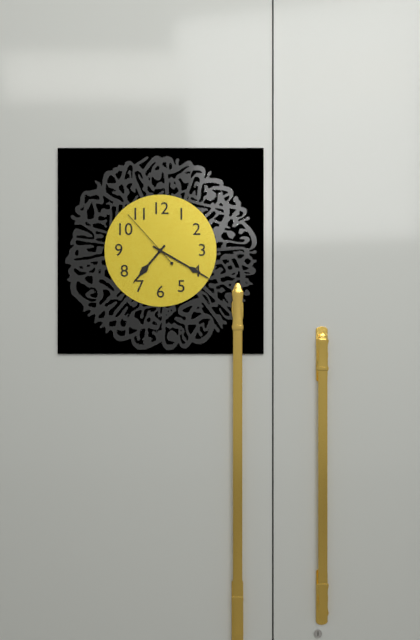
7.20.53
